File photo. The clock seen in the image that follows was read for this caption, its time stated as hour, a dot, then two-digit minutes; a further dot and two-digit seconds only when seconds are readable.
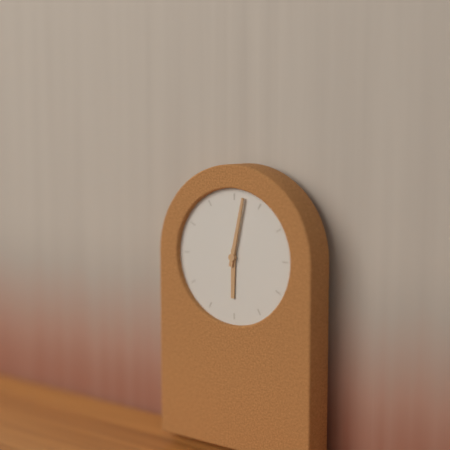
6.02
